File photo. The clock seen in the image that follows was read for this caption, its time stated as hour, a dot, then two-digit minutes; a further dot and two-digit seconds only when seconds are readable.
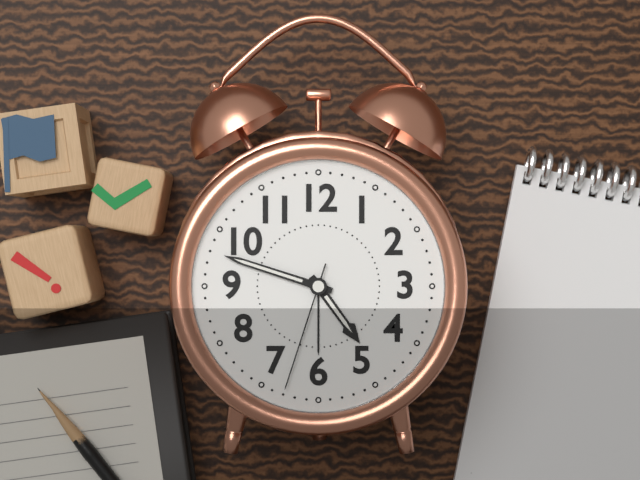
4.48.33
